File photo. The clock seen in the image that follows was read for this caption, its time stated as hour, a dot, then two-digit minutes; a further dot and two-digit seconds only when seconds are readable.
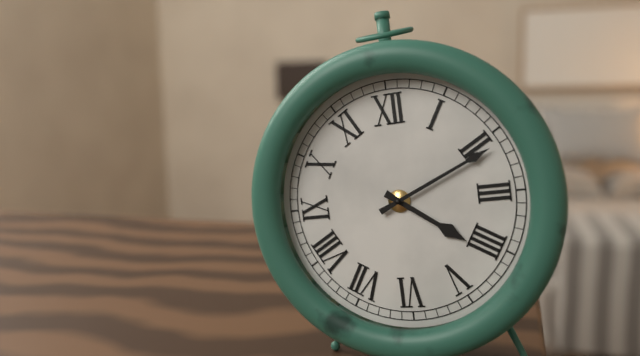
4.11
